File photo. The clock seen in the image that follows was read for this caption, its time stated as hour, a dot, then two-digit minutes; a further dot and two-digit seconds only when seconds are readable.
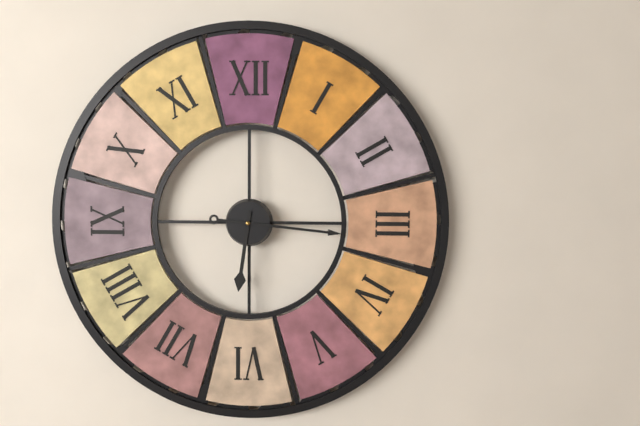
6.16
